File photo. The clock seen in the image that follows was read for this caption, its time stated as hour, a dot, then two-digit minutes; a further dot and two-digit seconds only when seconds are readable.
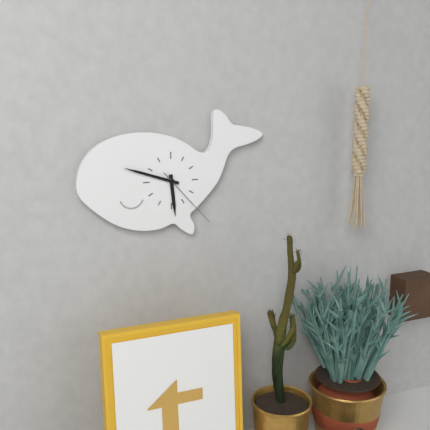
5.48
